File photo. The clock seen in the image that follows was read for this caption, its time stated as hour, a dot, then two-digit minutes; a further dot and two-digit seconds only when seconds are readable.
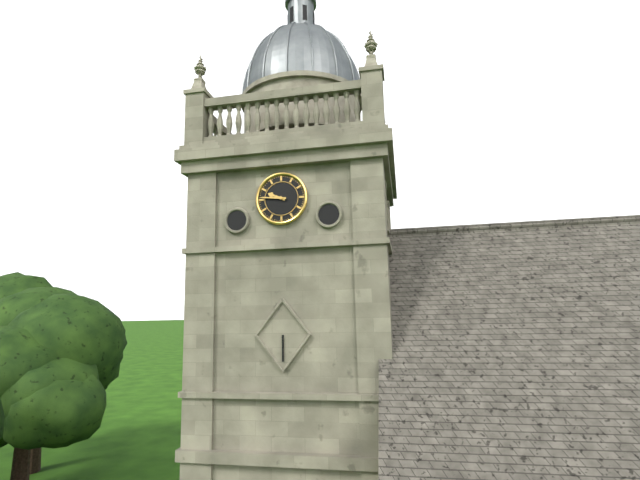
9.46
